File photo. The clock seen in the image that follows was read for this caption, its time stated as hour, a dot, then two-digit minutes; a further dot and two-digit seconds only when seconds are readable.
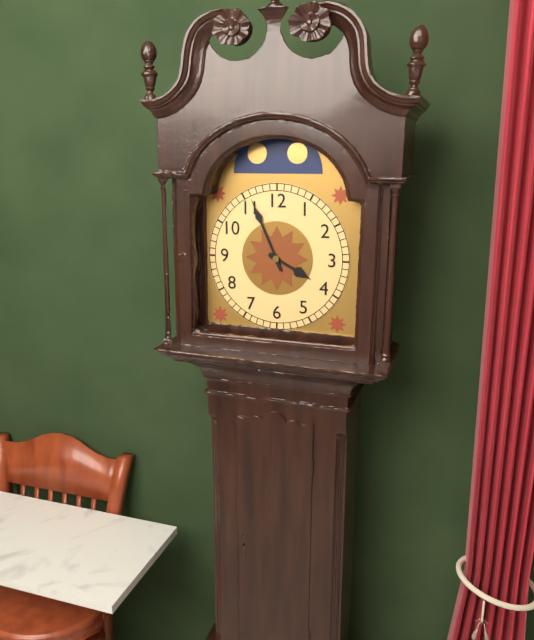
3.56
